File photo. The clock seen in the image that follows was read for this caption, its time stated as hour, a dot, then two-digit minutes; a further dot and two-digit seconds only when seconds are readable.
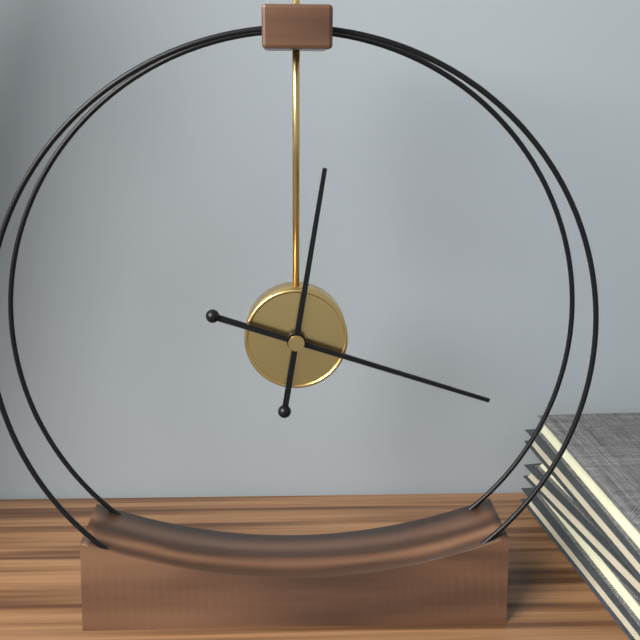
12.18
